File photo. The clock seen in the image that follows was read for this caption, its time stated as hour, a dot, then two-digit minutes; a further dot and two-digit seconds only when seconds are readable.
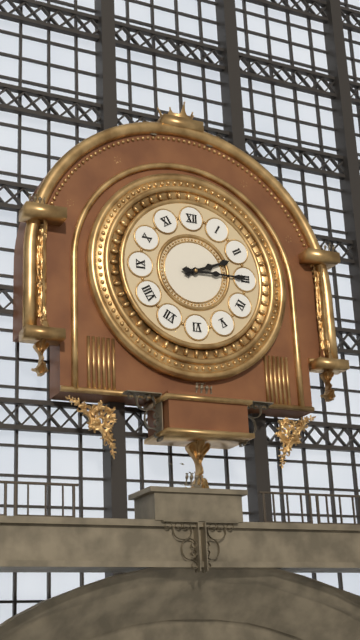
2.15
